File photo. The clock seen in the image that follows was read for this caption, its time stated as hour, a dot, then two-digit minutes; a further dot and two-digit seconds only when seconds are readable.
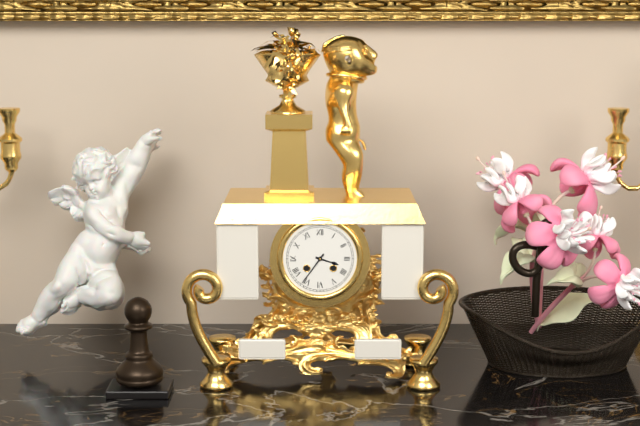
3.36
